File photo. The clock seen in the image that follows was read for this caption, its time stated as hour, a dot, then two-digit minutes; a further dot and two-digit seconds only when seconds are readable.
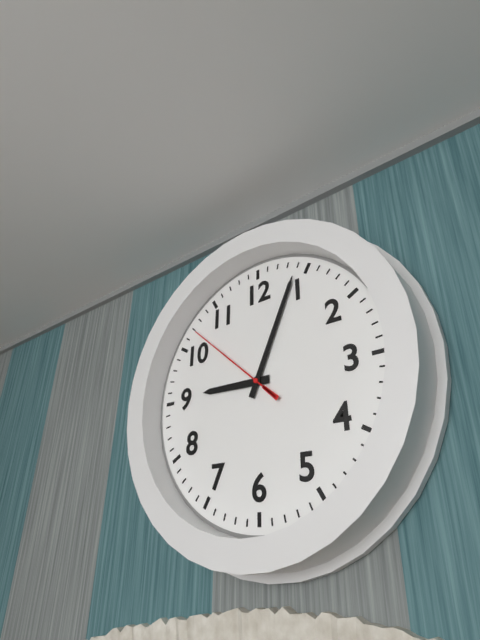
9.04.52
